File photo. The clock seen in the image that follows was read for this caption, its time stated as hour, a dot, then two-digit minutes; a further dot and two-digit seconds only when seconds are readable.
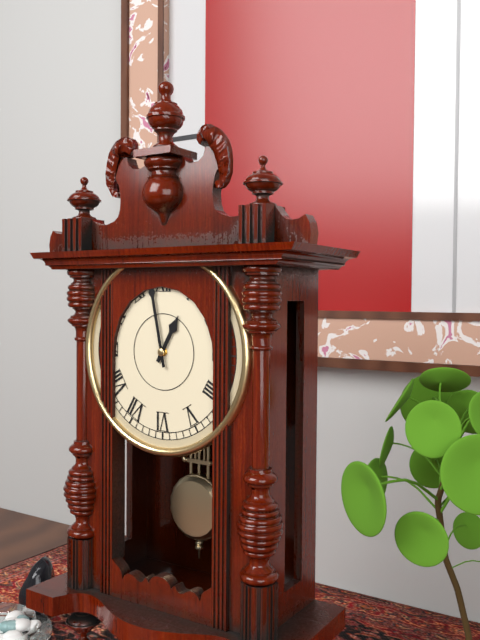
12.58
